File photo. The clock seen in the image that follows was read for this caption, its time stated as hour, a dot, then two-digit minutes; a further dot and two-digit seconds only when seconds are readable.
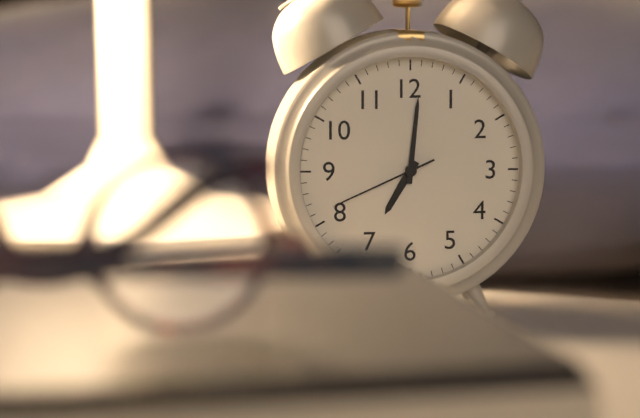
7.01.41
